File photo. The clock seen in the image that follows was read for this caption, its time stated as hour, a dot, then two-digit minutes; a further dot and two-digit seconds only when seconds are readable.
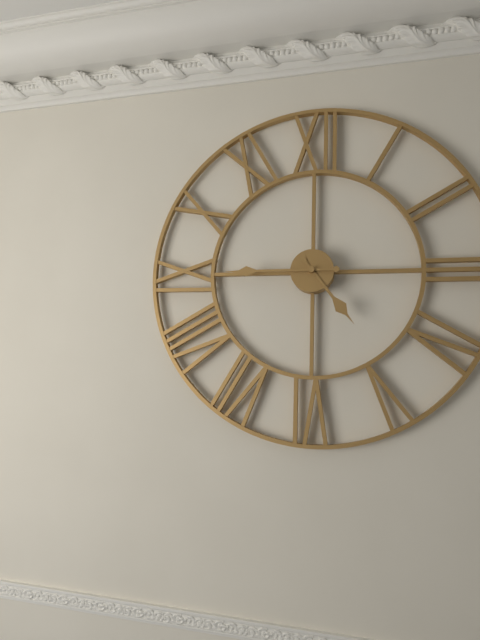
4.45
